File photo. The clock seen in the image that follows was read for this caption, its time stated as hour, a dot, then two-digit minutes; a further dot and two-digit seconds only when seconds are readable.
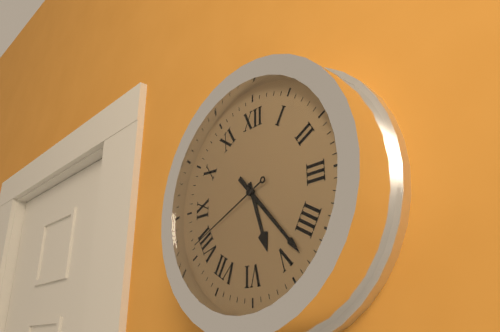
5.23.41
